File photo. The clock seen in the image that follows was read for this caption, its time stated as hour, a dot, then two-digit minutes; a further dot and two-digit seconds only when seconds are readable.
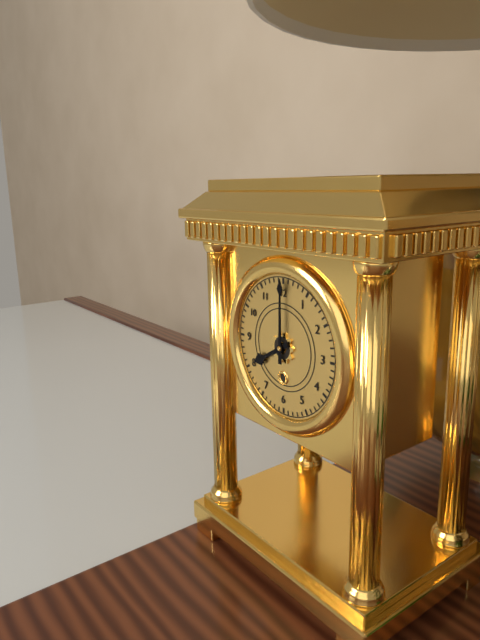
8.00
